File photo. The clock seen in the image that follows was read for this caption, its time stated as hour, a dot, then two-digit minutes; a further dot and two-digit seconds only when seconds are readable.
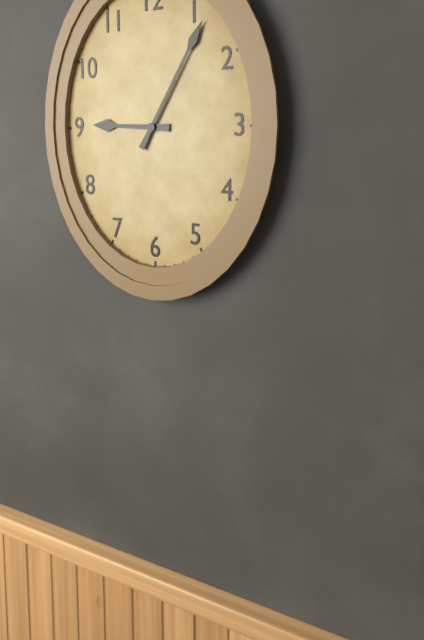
9.05
